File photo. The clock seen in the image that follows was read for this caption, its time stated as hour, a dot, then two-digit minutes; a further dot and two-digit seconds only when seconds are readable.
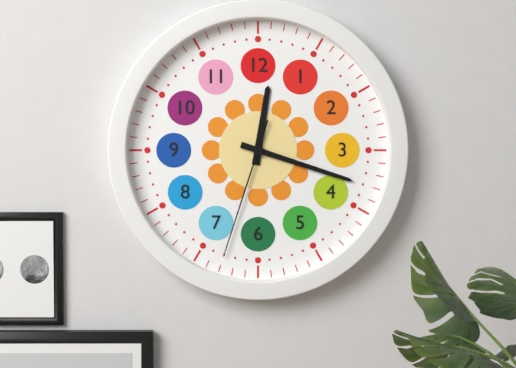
12.18.33
